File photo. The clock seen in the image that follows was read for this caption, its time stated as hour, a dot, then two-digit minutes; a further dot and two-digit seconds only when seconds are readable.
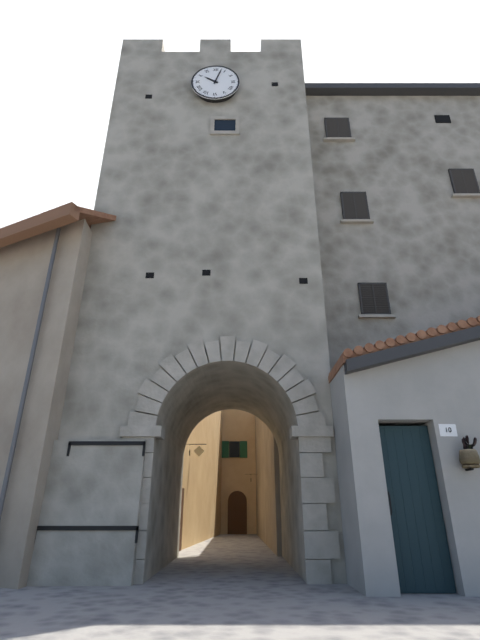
10.03
